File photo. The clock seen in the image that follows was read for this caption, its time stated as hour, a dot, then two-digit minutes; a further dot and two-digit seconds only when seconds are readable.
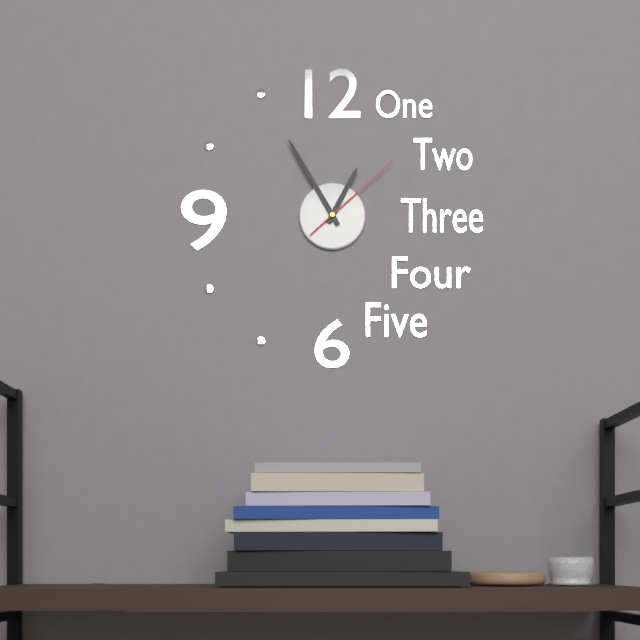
12.55.08
